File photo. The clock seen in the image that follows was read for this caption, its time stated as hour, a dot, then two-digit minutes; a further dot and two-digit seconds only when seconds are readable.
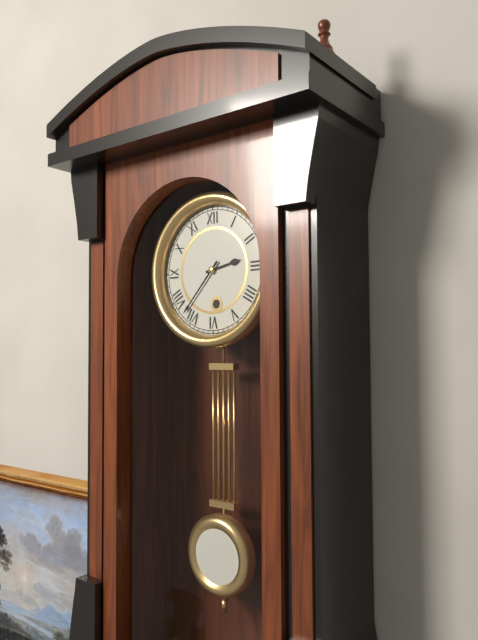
2.37
